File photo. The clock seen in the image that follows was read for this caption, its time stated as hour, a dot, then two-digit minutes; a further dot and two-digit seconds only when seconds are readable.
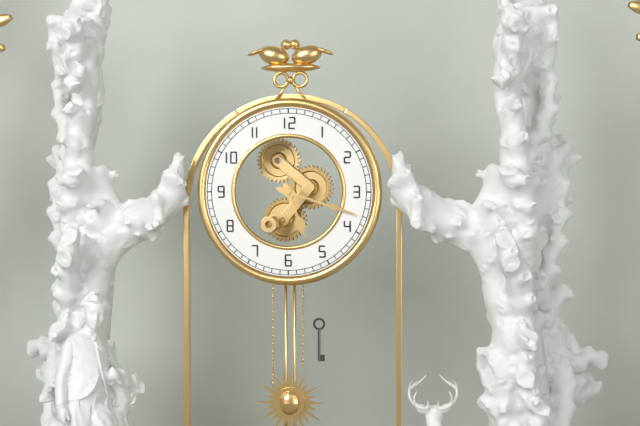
5.18
